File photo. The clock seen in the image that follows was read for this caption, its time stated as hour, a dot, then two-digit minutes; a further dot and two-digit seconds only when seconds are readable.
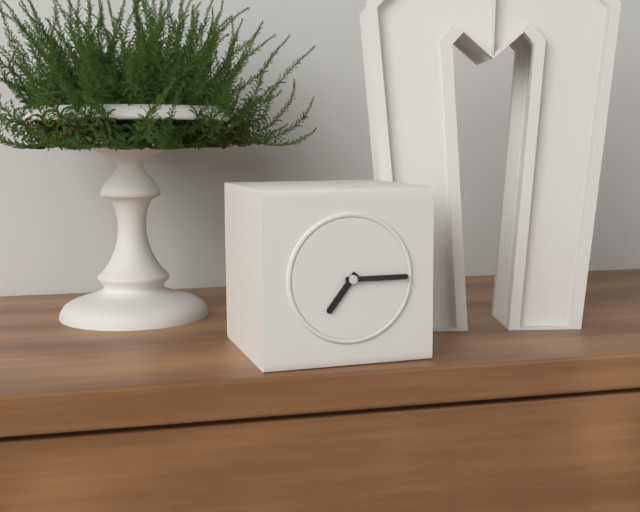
7.15
